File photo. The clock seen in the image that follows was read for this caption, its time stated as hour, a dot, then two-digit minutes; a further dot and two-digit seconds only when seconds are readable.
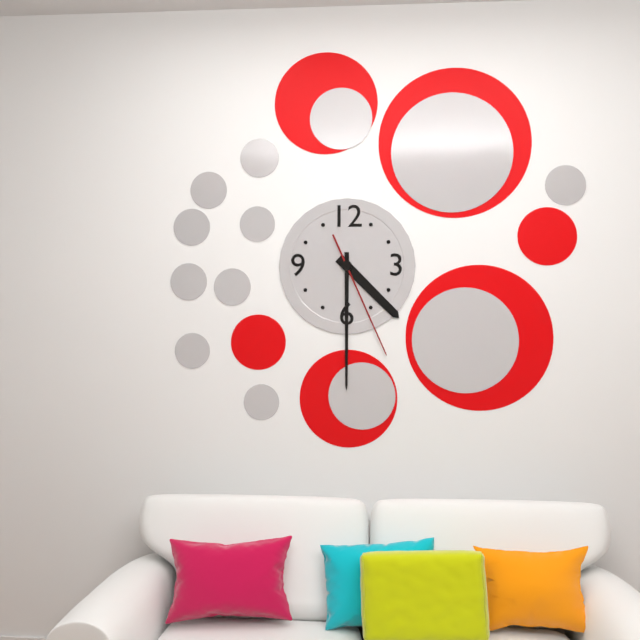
4.30.26
